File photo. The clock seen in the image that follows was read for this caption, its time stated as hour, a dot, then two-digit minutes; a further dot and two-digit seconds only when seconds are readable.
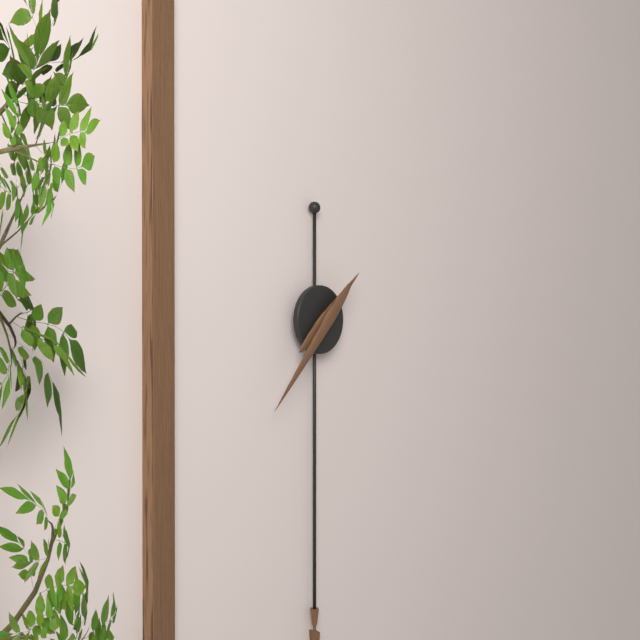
1.37
